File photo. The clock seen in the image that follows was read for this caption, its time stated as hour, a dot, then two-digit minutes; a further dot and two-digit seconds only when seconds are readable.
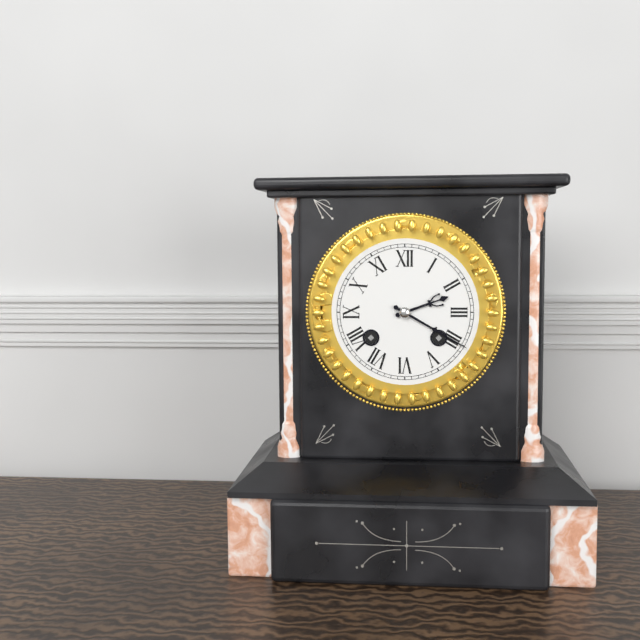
2.20
